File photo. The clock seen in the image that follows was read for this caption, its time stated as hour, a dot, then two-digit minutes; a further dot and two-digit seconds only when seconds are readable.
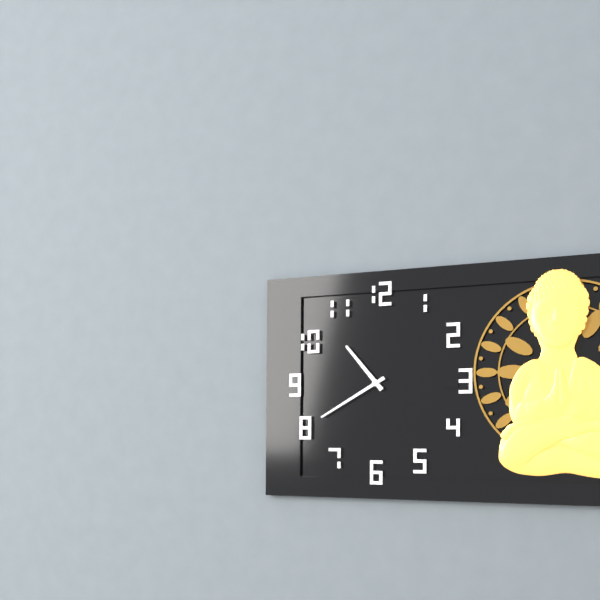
10.40
